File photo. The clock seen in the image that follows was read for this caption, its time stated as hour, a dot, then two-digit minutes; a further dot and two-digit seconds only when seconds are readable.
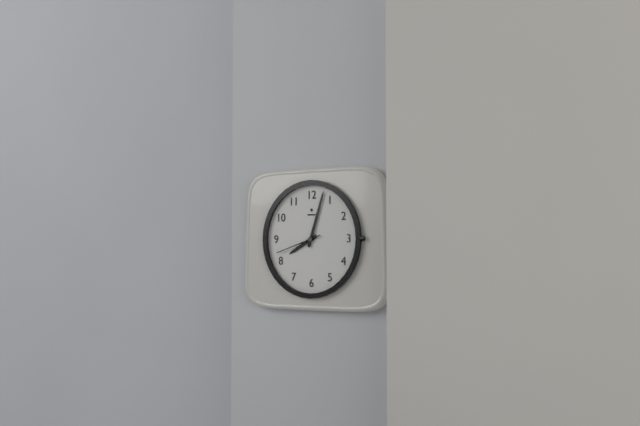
8.03
